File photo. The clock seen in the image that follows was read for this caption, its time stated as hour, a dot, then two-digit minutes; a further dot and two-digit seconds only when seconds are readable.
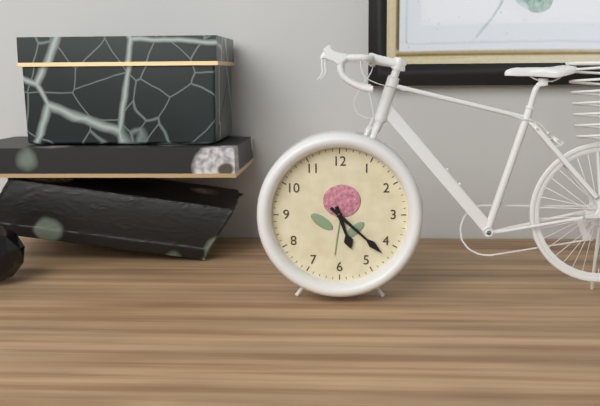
5.22
